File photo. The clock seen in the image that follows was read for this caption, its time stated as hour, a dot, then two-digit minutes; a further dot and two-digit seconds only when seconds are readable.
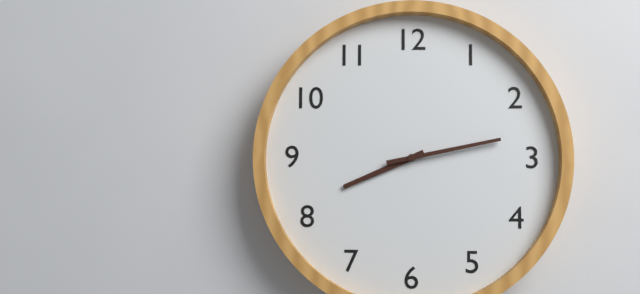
8.13
